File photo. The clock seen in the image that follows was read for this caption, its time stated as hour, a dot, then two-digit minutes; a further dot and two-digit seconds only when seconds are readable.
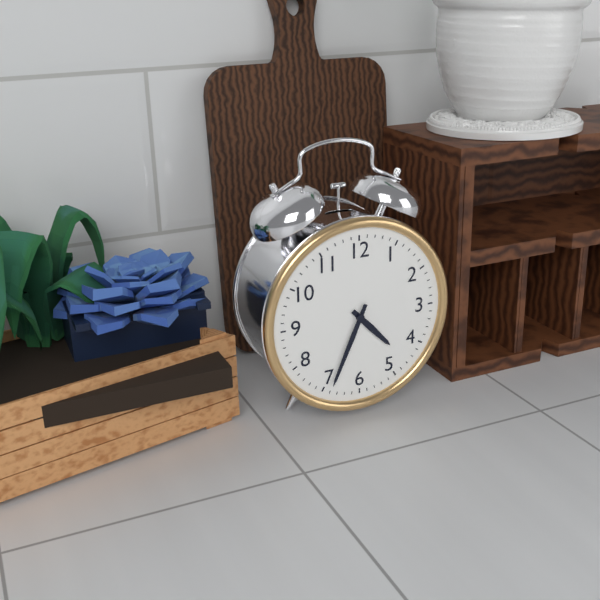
4.34
